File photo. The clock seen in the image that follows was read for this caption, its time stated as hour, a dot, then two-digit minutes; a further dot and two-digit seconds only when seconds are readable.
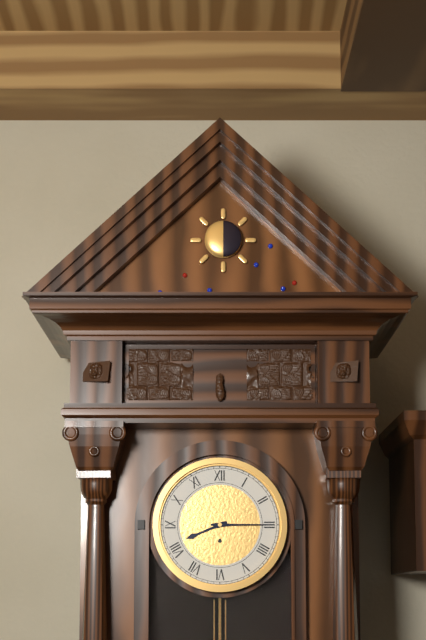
8.15
